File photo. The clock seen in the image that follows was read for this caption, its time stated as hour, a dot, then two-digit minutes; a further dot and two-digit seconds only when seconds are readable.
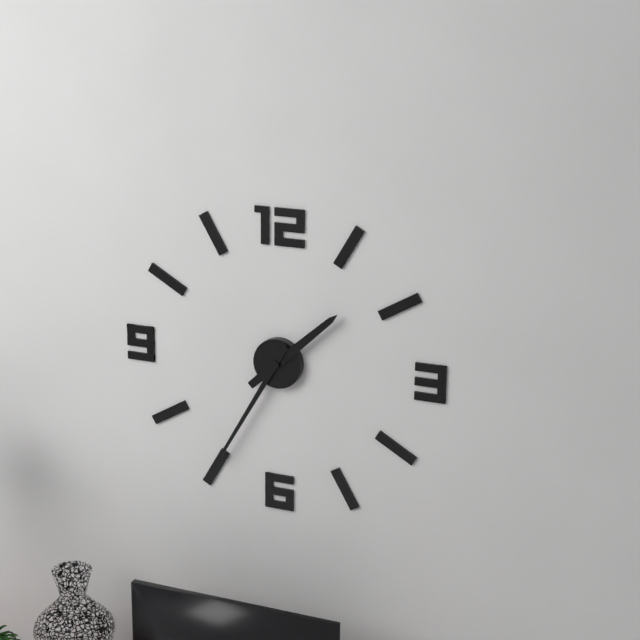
1.35
